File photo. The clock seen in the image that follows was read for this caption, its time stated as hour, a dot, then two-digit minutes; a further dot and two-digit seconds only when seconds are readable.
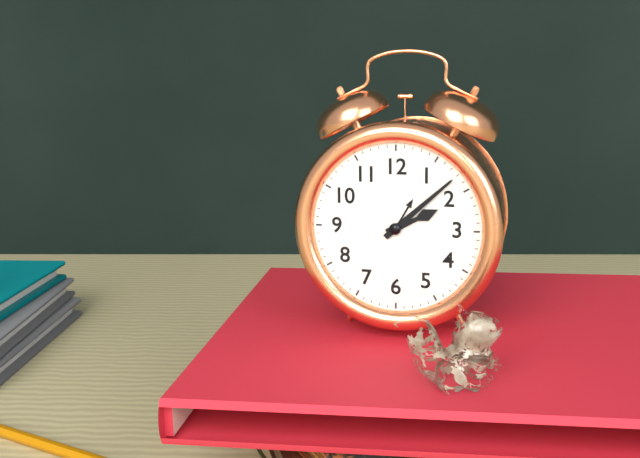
2.08
